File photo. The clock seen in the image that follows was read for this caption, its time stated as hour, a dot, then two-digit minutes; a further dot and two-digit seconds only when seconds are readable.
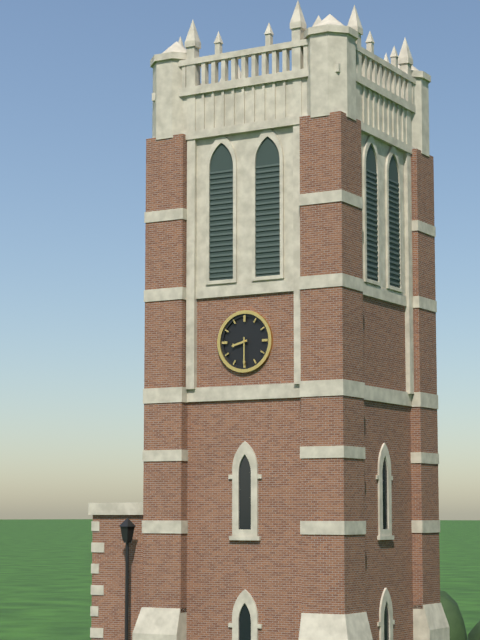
8.30
